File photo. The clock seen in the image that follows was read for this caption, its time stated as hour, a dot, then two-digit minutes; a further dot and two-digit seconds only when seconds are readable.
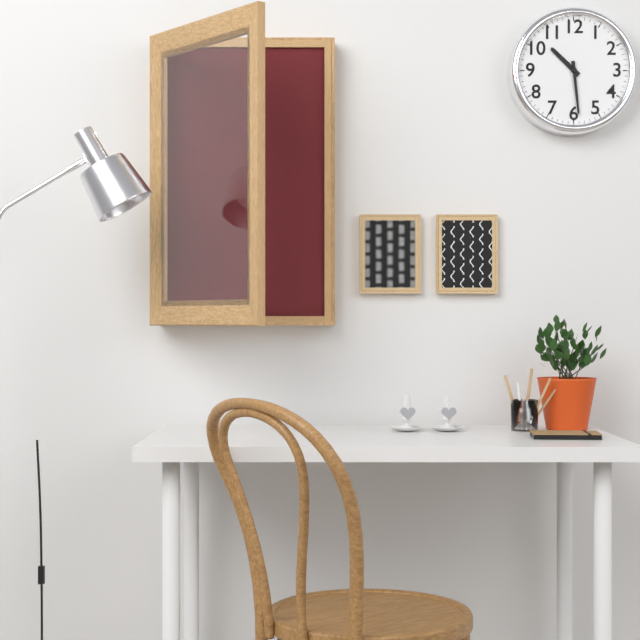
10.29
